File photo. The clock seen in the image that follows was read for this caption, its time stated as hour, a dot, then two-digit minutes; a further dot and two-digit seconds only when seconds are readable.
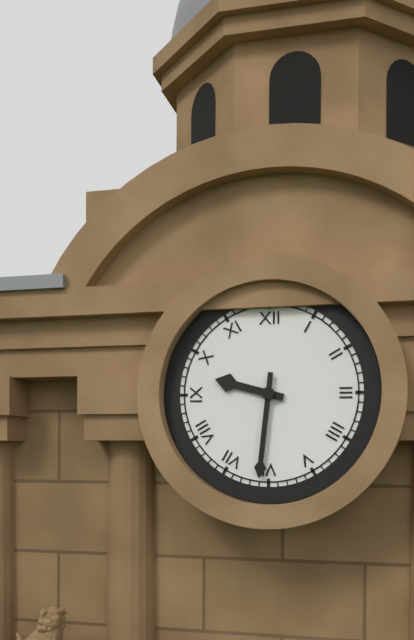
9.31
